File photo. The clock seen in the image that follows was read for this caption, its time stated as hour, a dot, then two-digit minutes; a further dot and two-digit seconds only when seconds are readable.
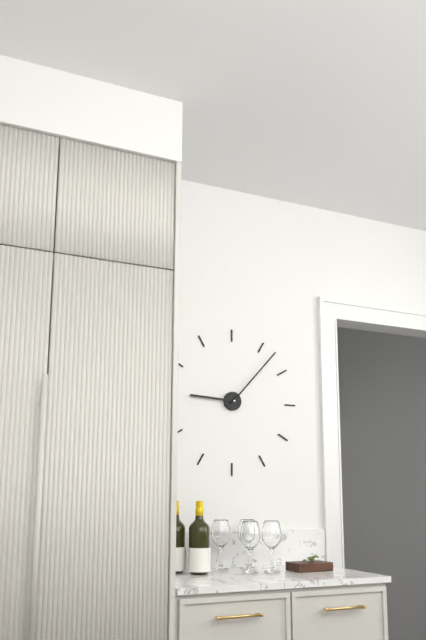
9.07
